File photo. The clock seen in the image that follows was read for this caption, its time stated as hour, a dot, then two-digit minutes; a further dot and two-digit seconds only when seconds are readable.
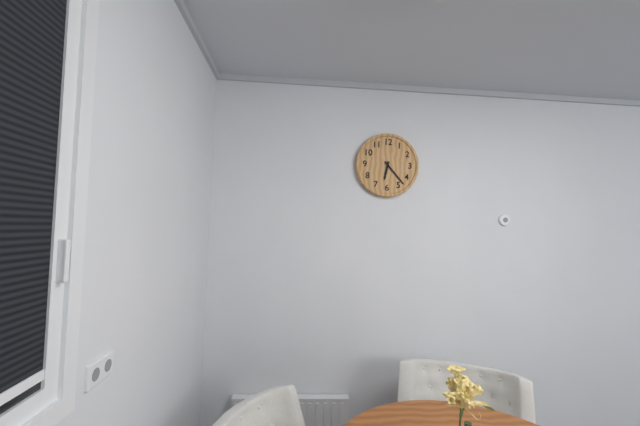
6.23
